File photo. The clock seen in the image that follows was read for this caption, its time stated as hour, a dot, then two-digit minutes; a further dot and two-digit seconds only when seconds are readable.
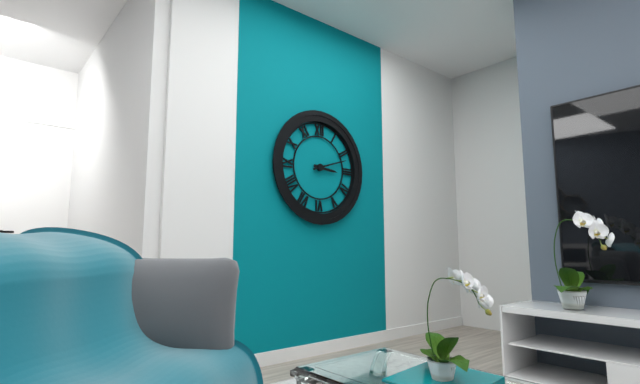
3.12
